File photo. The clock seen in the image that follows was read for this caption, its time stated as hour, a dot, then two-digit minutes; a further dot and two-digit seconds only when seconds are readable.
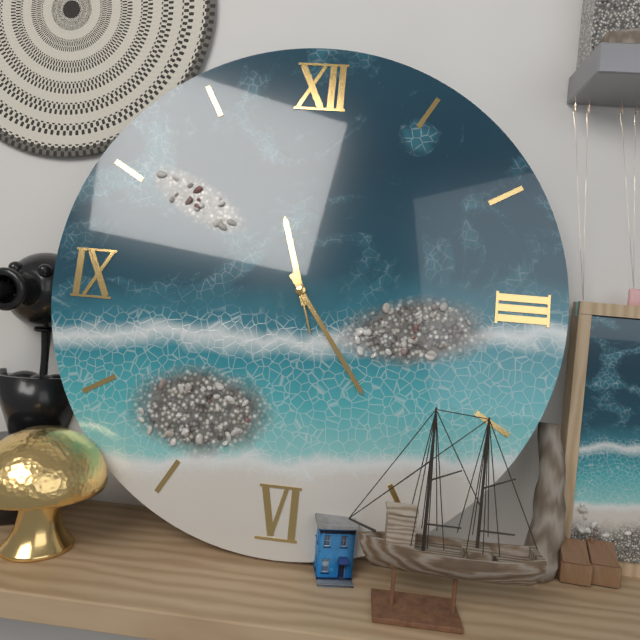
11.24.57
